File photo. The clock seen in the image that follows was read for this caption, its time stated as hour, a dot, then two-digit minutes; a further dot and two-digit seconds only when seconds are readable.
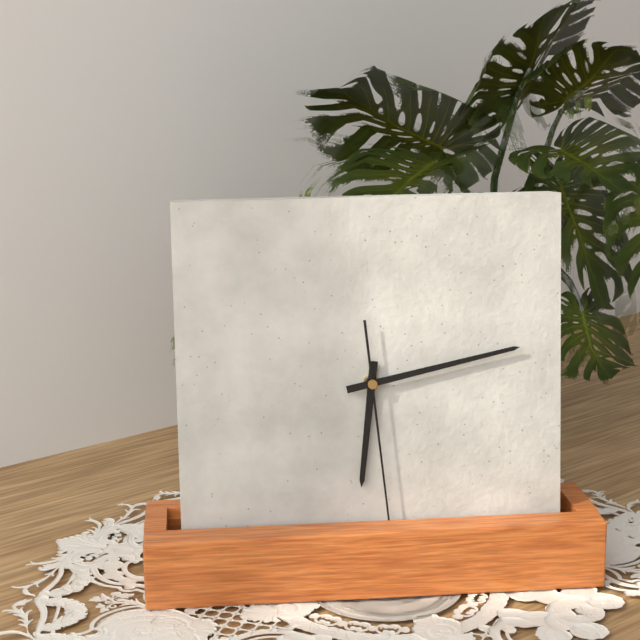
6.13.29
